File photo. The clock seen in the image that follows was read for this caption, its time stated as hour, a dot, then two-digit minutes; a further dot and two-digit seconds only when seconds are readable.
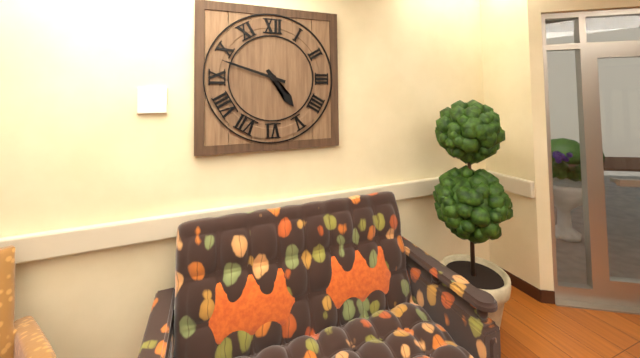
4.48
